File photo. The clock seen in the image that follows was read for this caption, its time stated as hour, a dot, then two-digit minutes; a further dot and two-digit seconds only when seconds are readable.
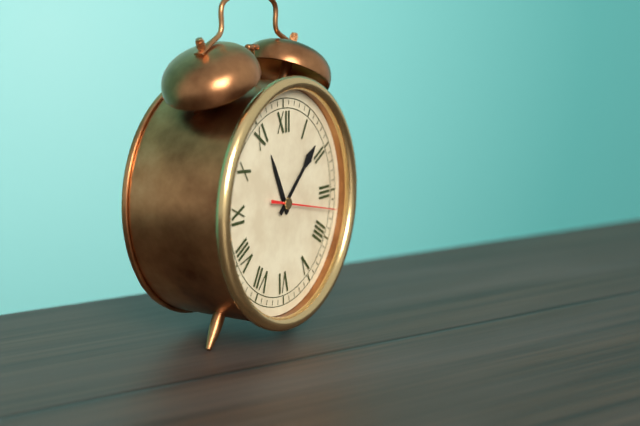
11.08.17
